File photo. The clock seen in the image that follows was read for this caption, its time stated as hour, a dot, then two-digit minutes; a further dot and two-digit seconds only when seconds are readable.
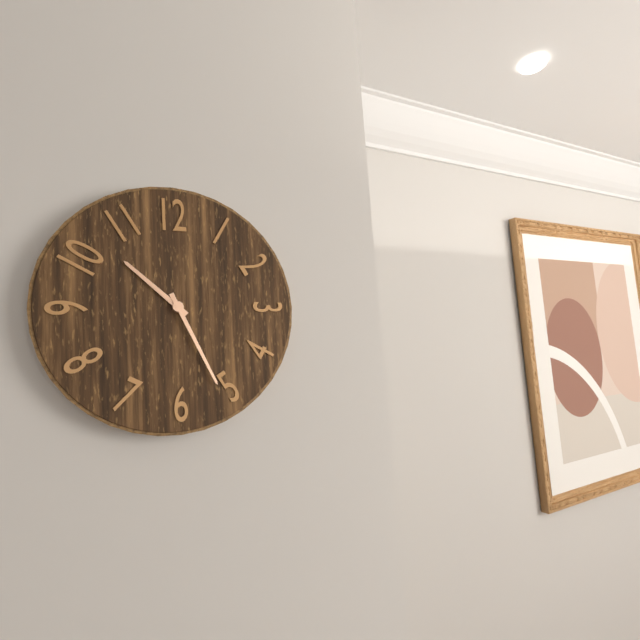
10.26
